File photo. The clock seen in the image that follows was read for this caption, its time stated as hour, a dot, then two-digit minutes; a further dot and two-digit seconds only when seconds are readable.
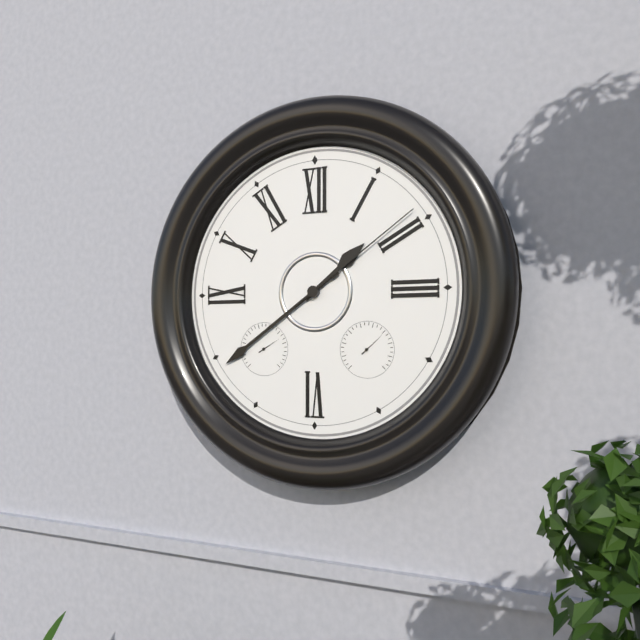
1.39.09
